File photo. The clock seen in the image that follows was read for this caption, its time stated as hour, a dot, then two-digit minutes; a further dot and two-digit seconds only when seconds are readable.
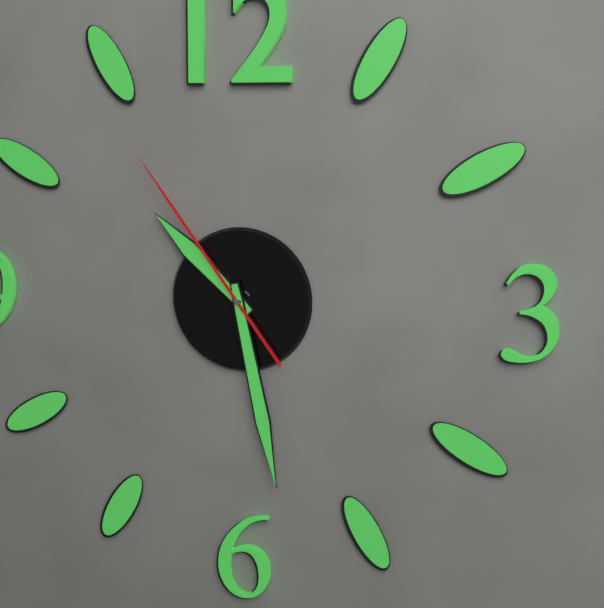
10.28.54
